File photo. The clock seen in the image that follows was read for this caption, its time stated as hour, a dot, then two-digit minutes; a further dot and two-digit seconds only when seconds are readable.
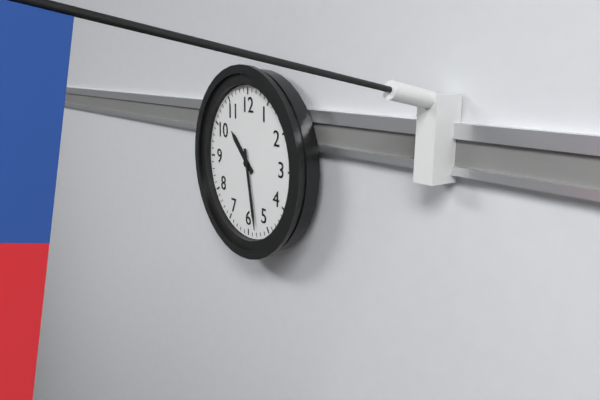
10.28
